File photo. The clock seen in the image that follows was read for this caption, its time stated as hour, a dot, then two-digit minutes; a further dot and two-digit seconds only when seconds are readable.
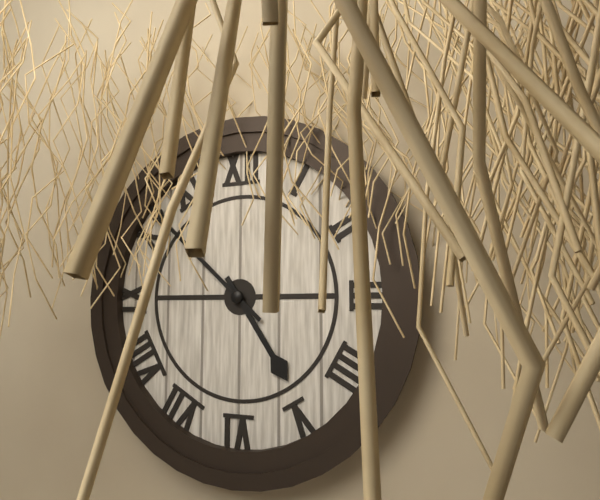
4.52
